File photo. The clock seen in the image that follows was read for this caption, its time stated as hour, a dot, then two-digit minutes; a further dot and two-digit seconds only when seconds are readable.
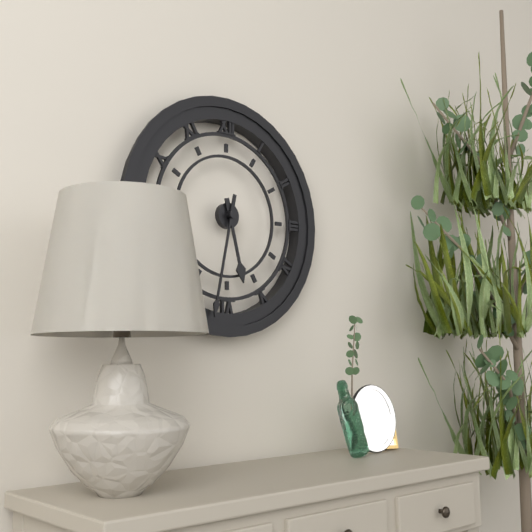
5.32
